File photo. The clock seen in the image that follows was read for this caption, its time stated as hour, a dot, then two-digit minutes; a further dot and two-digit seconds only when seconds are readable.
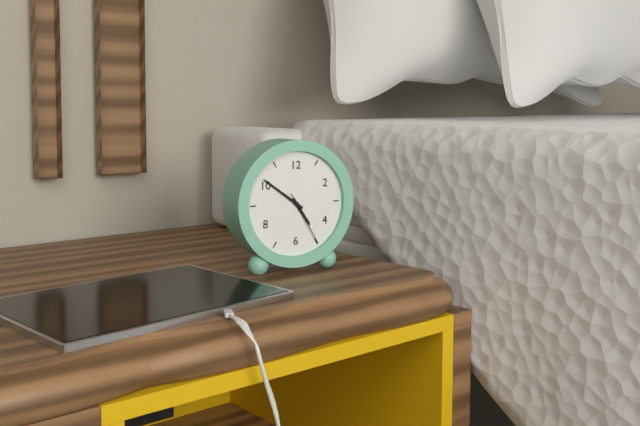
4.51.25
